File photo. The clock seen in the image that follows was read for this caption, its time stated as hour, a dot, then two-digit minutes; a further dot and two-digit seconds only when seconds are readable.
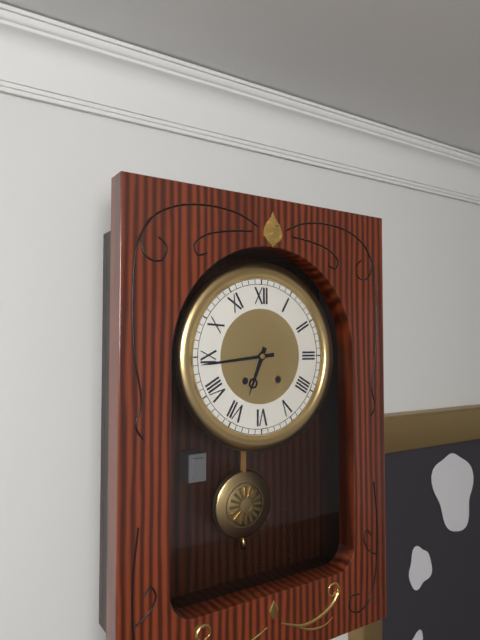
6.44
